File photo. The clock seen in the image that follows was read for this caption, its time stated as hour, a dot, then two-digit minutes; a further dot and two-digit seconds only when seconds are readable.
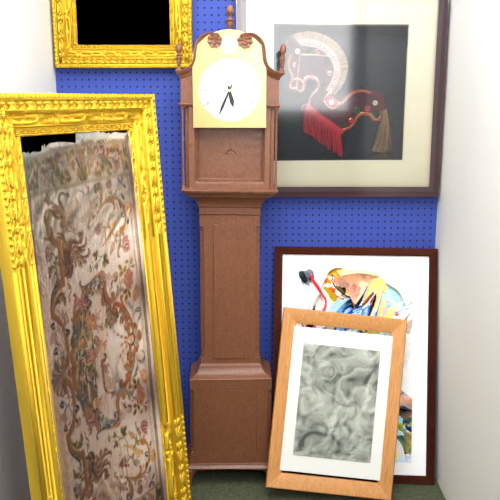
5.34
